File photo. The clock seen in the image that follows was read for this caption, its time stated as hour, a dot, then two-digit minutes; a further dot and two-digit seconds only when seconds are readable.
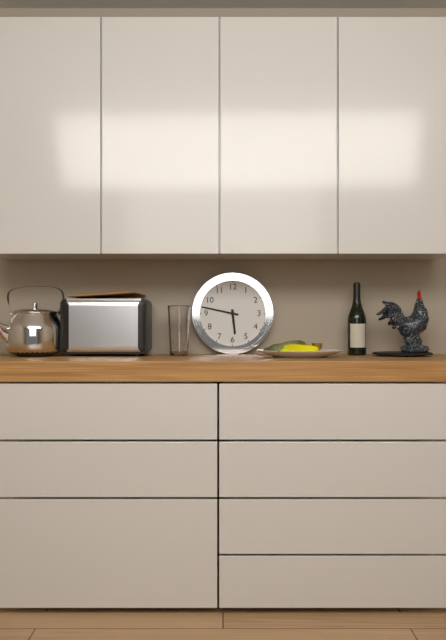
5.47
